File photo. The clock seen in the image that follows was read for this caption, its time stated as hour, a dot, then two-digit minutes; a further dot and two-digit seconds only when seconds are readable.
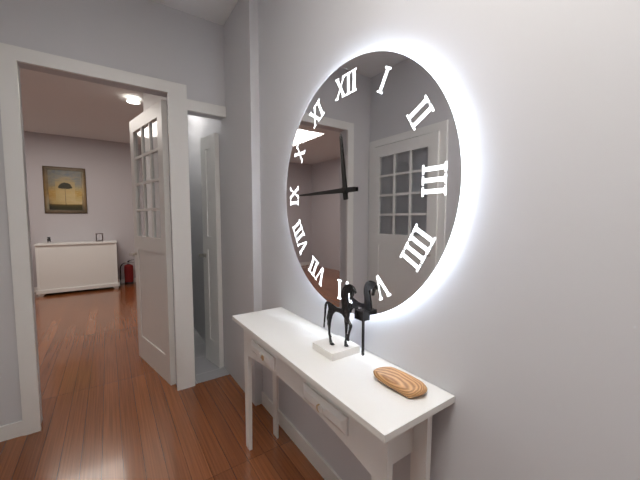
11.45
